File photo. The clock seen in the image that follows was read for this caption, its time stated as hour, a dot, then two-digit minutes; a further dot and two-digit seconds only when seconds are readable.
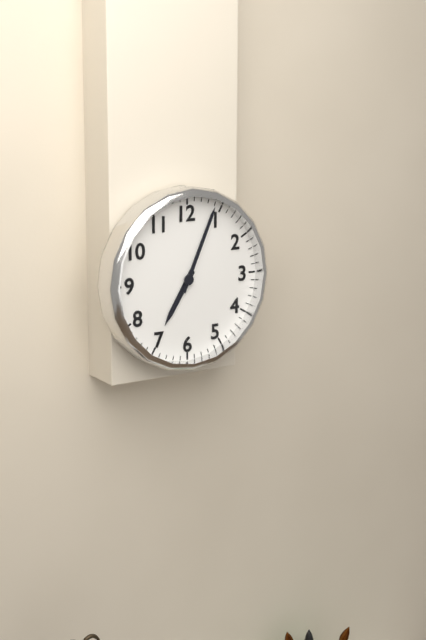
7.04
